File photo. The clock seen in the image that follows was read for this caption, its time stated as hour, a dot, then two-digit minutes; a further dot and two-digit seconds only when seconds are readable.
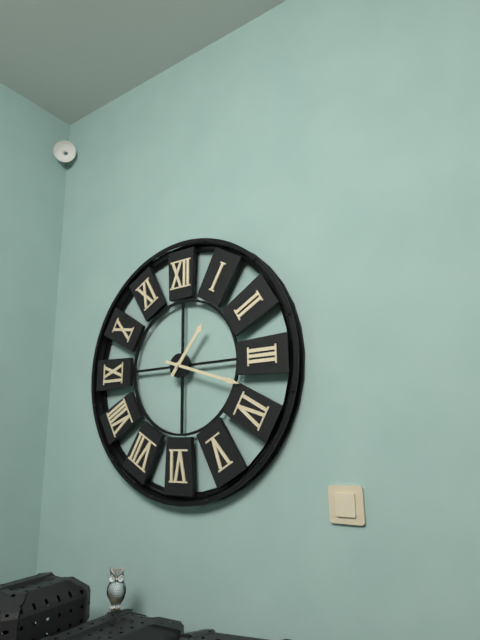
1.18
